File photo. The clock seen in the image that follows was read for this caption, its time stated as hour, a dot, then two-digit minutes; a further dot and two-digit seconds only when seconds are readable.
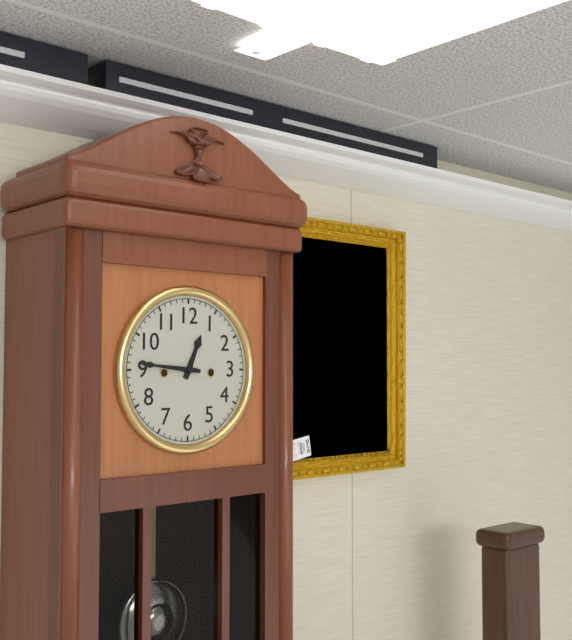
12.46
